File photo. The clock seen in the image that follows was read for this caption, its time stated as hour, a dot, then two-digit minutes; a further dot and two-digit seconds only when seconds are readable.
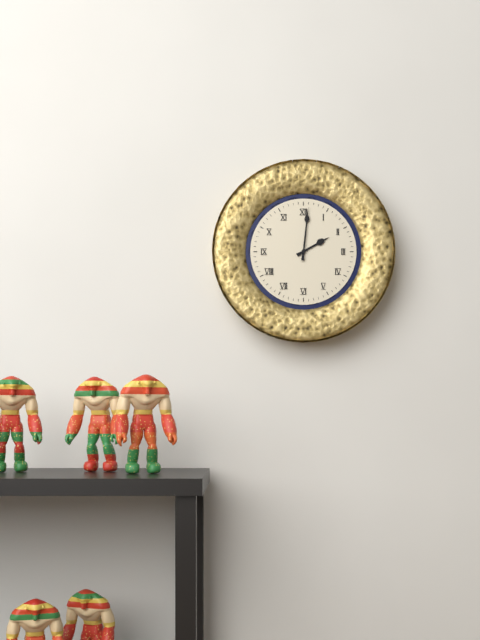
2.01
